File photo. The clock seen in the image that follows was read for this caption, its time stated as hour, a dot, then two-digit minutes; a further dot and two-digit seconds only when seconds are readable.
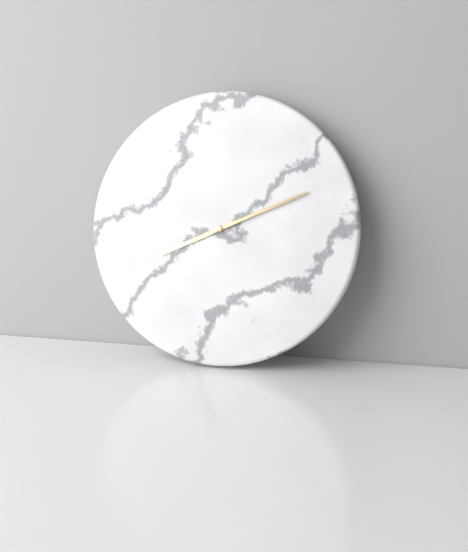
8.11
